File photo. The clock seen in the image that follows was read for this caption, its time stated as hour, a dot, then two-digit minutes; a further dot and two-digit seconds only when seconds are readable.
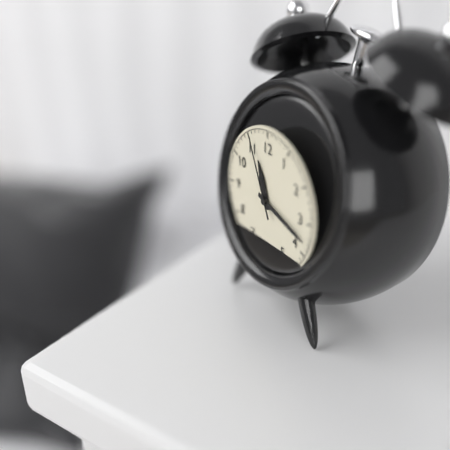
11.18.56
